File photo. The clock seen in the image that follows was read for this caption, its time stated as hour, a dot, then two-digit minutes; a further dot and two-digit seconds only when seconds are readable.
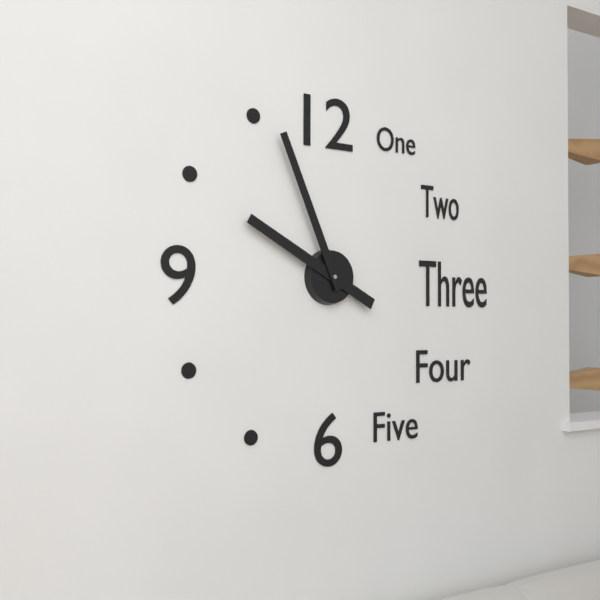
9.56
